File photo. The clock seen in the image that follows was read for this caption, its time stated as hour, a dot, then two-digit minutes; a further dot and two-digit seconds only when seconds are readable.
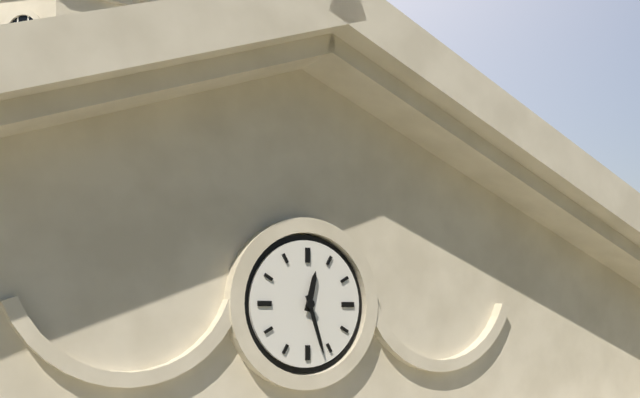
12.27
